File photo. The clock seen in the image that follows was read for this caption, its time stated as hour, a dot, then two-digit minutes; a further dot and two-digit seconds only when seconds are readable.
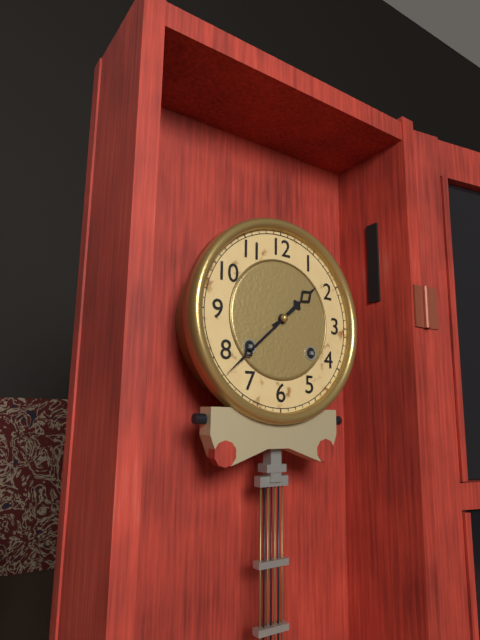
1.38
